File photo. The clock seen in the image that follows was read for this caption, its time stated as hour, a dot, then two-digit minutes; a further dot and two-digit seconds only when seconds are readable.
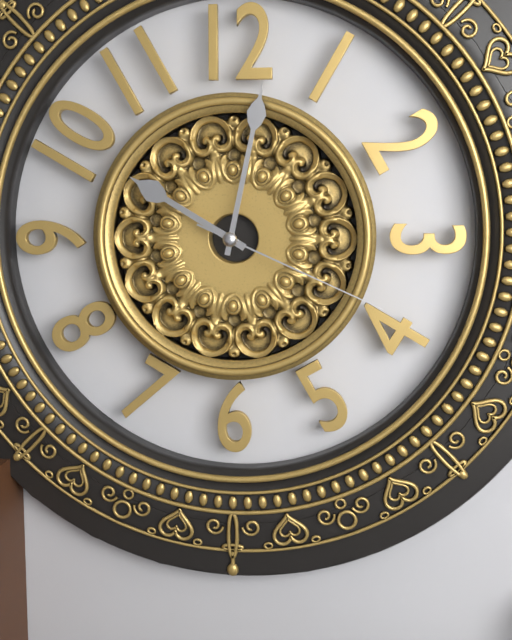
10.02.19
